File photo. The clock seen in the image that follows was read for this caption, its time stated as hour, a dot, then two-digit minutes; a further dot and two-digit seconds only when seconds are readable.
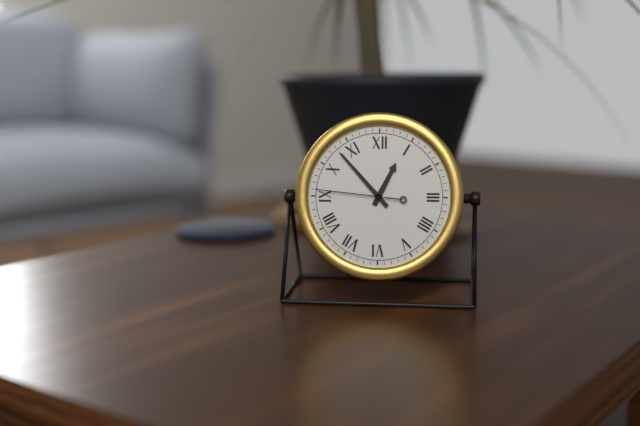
12.53.46
